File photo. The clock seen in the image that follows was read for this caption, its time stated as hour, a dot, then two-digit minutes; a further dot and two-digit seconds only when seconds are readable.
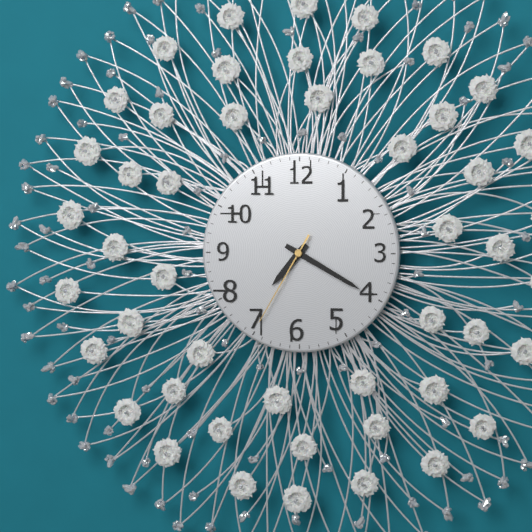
7.20.35
